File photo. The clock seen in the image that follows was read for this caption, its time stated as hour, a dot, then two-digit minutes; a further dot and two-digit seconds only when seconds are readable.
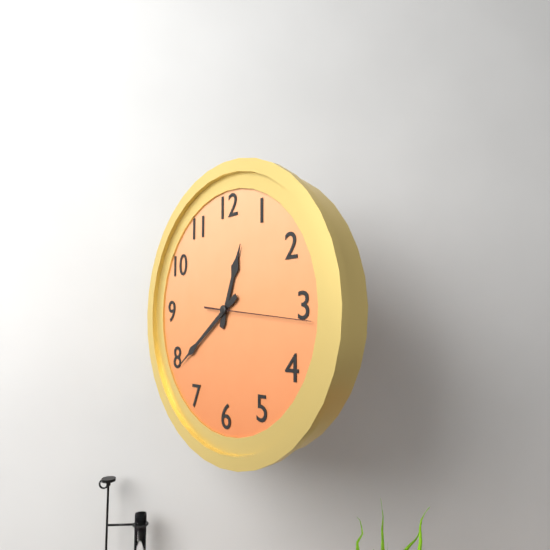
12.39.16
